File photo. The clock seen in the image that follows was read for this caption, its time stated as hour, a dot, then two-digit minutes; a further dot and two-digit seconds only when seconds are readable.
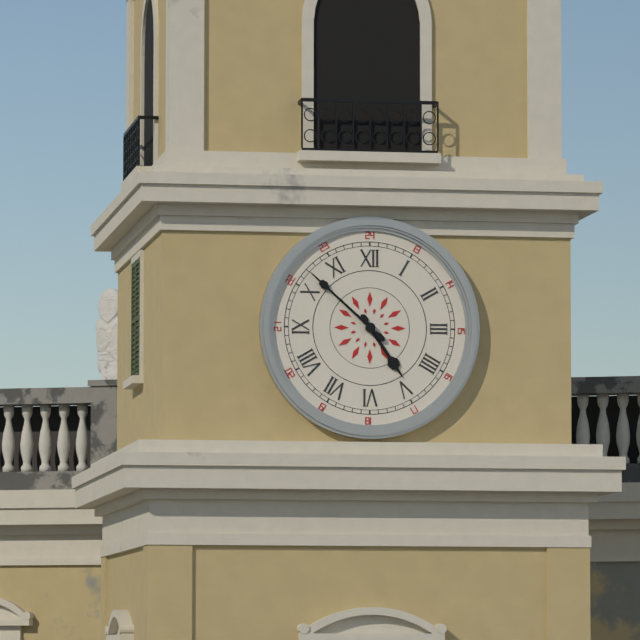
4.52
